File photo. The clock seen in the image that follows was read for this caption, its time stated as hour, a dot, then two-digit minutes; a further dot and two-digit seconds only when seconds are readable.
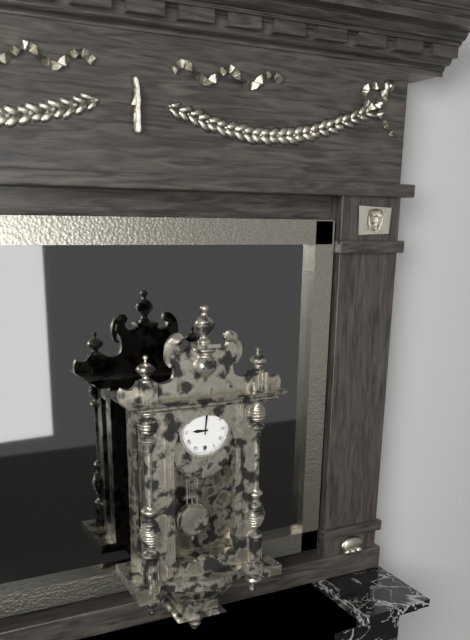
9.01
